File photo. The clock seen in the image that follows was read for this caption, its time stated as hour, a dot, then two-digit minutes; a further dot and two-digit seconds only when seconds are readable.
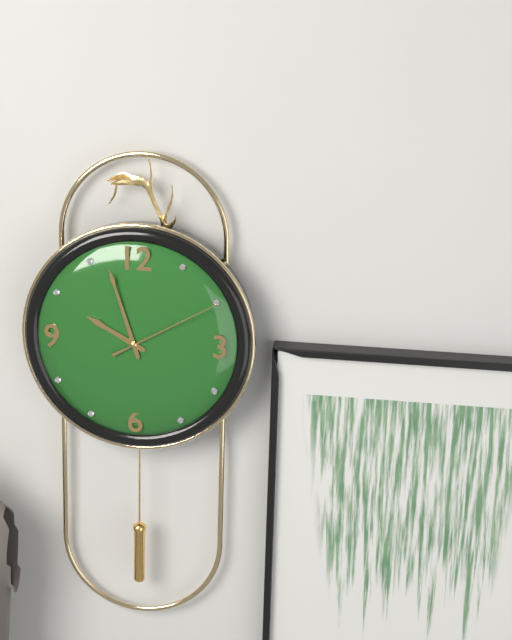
9.57.10
